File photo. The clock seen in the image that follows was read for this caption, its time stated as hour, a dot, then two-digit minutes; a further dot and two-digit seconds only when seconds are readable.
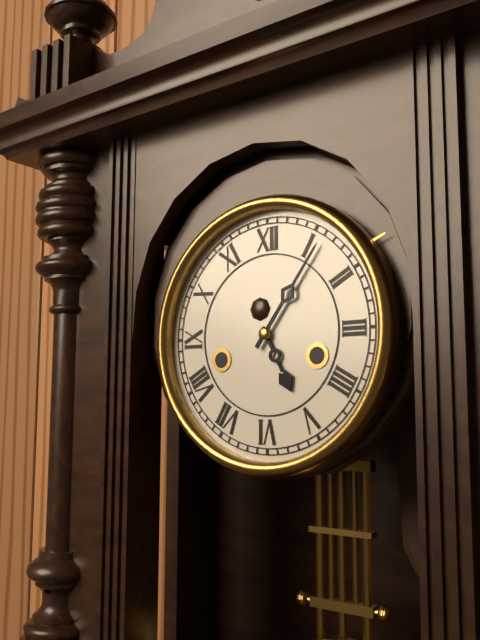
5.06
